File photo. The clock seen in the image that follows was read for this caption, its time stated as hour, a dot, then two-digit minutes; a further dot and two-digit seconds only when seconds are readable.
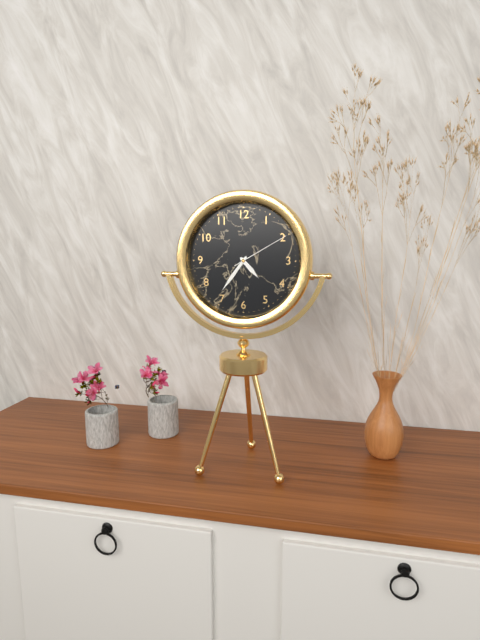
4.36.10
